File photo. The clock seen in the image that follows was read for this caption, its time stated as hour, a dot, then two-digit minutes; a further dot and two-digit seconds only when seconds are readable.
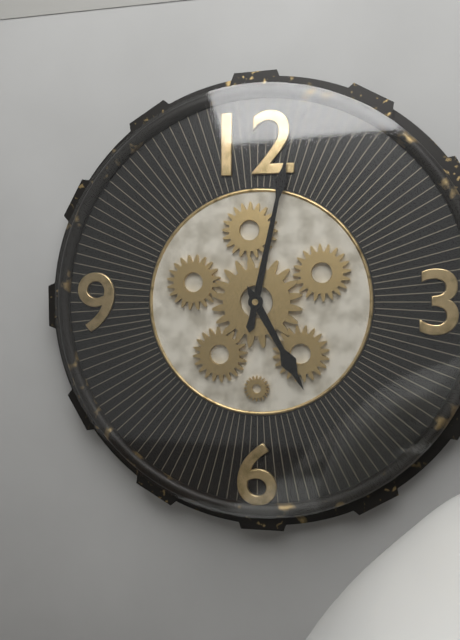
5.02
